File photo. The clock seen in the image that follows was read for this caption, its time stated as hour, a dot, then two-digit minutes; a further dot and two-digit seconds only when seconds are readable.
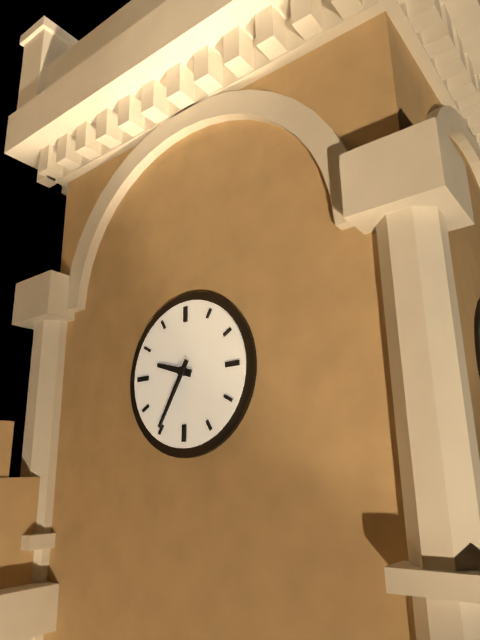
9.35
